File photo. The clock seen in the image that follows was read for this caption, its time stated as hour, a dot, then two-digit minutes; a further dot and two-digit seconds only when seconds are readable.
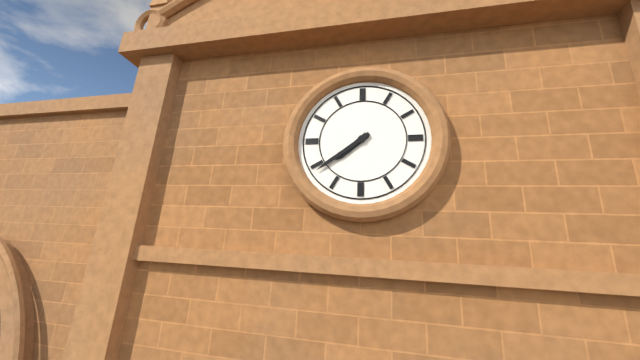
7.39
